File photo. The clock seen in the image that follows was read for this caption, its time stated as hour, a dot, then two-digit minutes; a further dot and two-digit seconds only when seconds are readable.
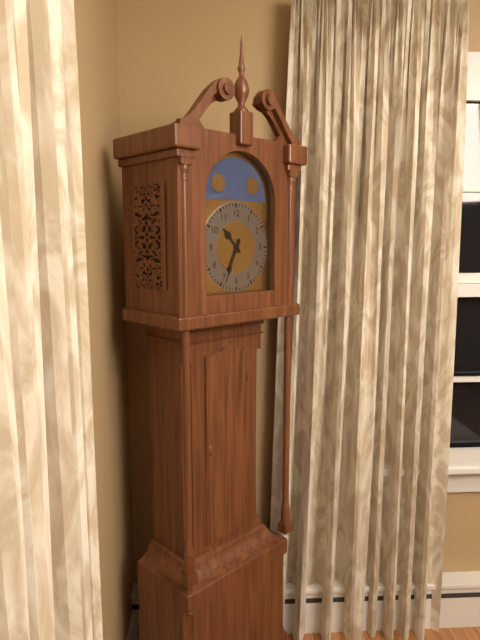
10.34
